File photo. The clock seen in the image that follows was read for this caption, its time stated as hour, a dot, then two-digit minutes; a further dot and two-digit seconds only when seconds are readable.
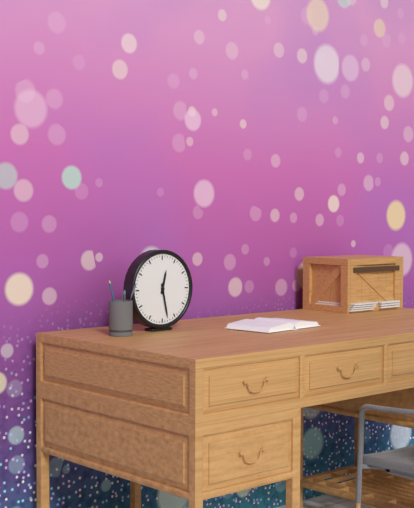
12.28
